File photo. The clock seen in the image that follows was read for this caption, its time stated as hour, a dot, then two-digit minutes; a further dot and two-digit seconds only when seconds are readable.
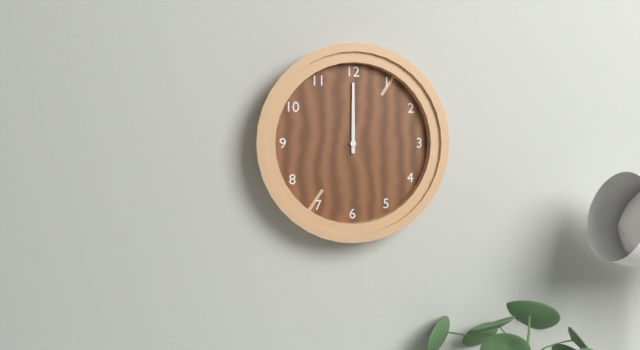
12.00
